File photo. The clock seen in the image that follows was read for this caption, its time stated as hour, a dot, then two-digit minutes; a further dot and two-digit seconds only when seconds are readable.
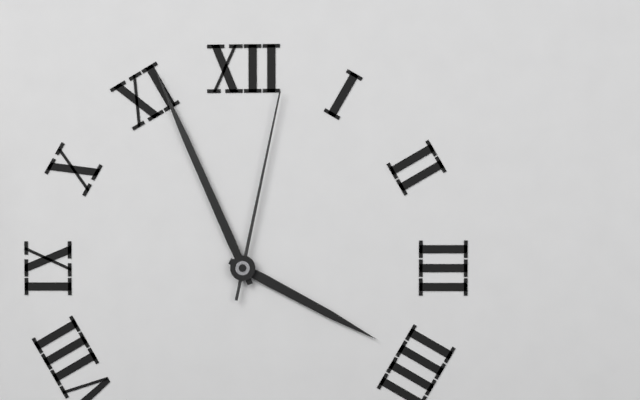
3.56.02
